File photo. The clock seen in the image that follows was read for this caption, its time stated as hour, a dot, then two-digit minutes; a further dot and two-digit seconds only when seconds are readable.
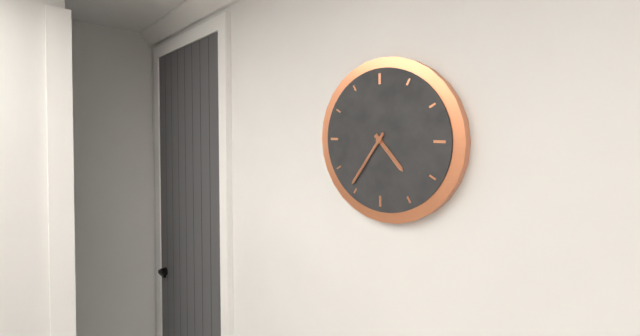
4.36
